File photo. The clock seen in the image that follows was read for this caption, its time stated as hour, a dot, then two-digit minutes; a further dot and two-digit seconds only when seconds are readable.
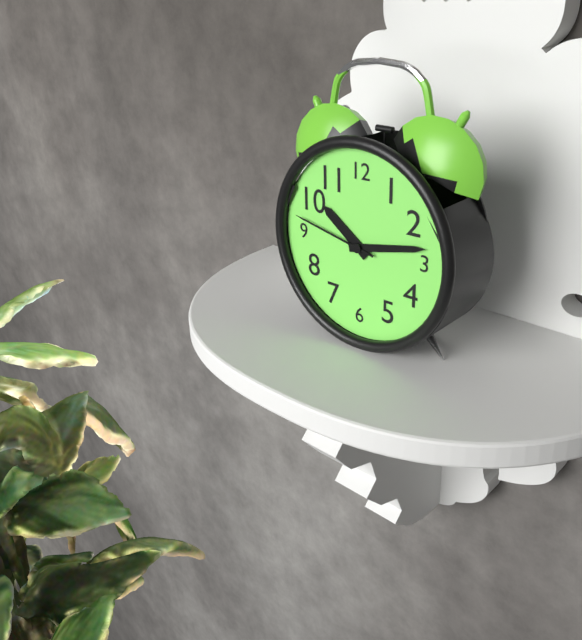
10.13.47
